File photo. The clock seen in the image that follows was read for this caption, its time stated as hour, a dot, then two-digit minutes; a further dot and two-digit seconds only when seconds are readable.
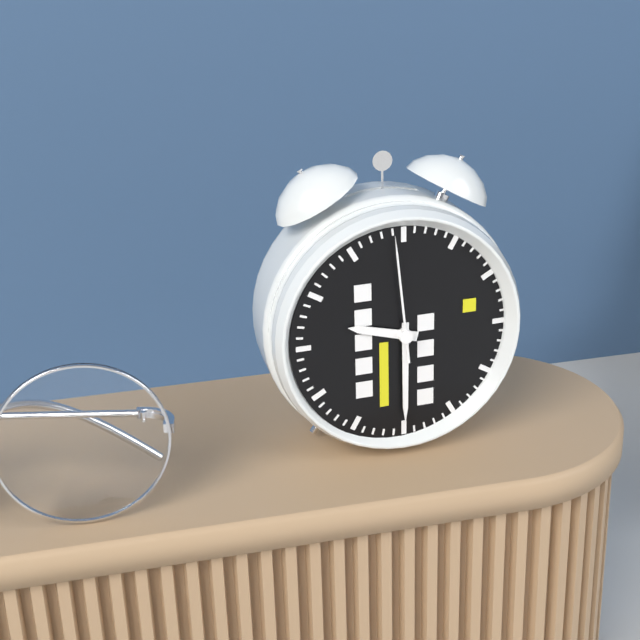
9.30.59
